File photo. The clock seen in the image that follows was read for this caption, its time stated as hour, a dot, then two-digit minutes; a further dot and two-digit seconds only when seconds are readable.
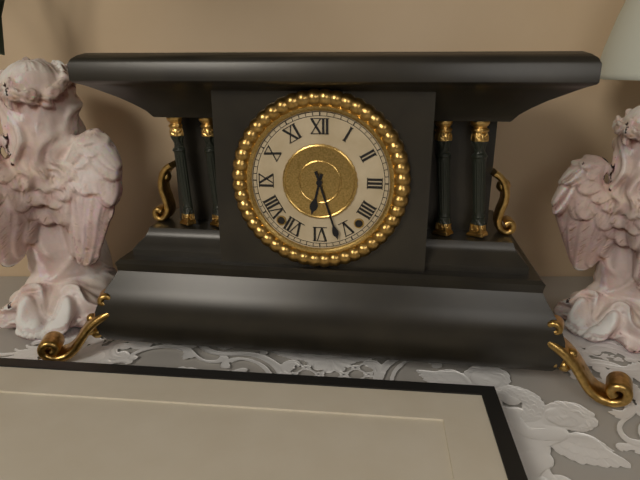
6.27
